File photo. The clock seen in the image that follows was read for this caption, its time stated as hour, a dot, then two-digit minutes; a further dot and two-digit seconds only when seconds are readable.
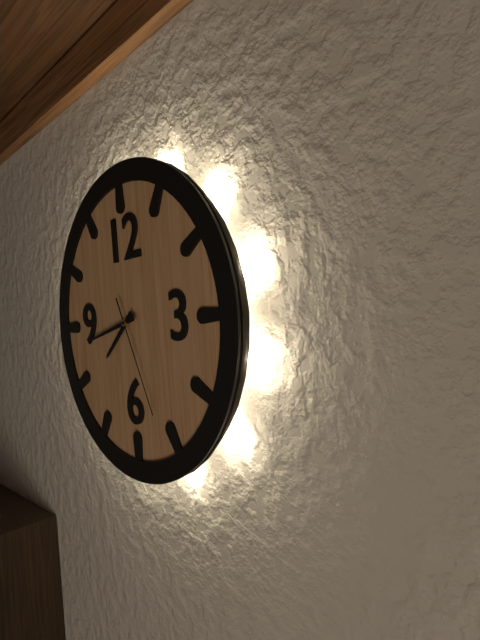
7.43.26
